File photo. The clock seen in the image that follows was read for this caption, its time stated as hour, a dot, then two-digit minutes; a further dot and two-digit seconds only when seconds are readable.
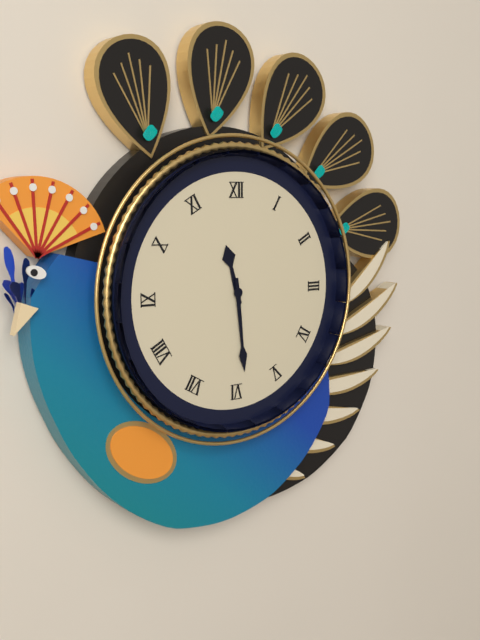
11.29
